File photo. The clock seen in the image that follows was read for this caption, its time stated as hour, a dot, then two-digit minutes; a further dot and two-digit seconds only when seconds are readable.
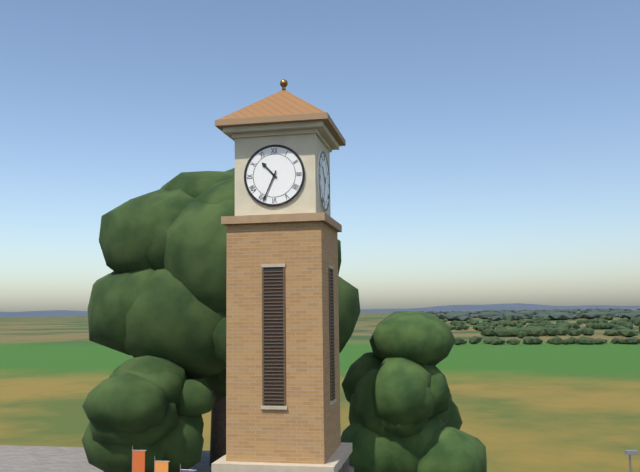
10.34
